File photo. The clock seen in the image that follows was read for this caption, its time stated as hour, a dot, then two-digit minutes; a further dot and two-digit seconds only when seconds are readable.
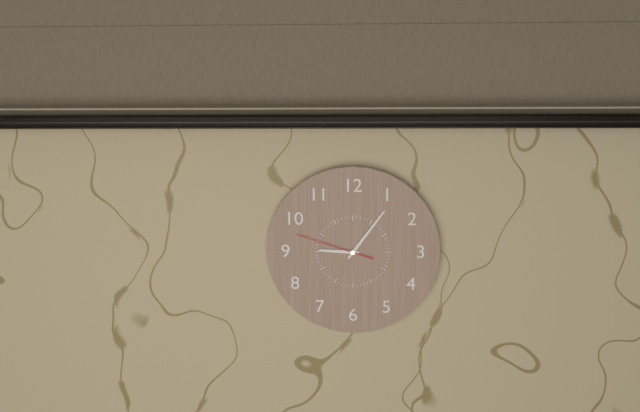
9.06.48
